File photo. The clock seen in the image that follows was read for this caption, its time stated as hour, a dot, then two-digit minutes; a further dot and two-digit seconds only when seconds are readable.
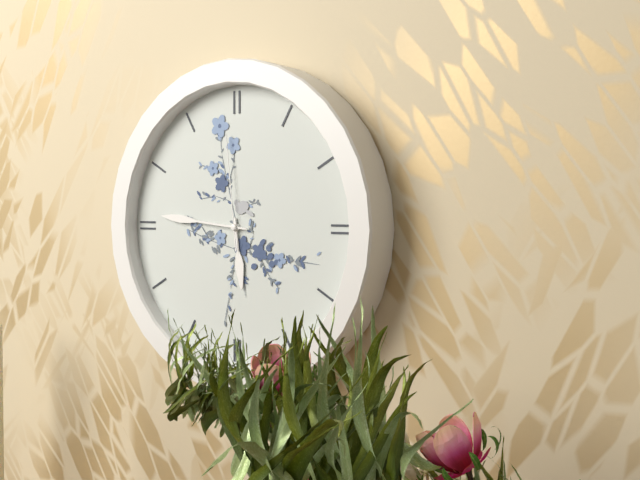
5.46.59
